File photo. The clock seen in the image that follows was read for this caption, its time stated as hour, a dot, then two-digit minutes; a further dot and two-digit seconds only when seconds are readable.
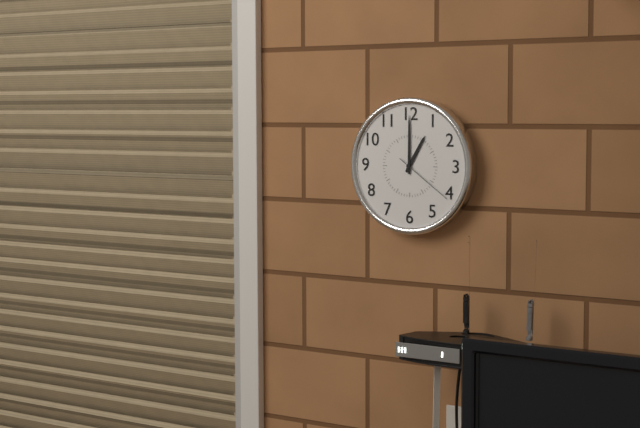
1.00.21
